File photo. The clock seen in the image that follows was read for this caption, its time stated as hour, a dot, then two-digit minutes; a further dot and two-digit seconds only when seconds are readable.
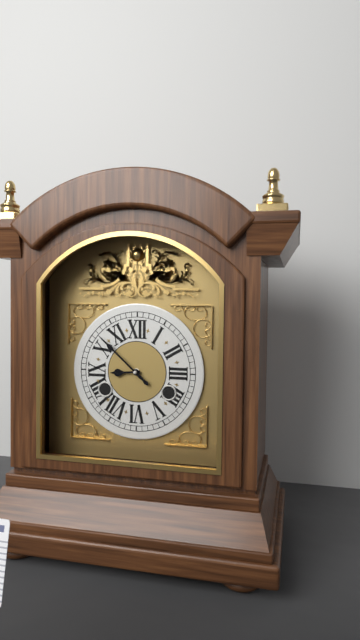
8.52
